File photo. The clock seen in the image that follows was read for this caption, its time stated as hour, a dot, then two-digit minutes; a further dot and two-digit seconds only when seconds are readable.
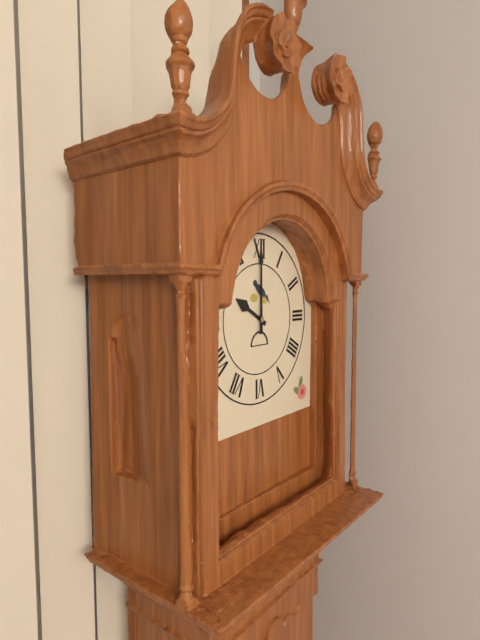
10.00
